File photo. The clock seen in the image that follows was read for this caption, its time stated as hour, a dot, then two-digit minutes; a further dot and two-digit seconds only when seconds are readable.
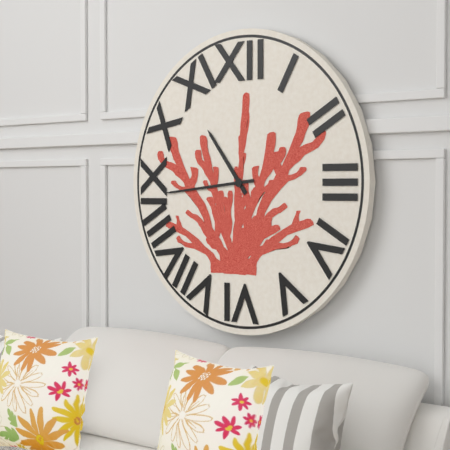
10.44
